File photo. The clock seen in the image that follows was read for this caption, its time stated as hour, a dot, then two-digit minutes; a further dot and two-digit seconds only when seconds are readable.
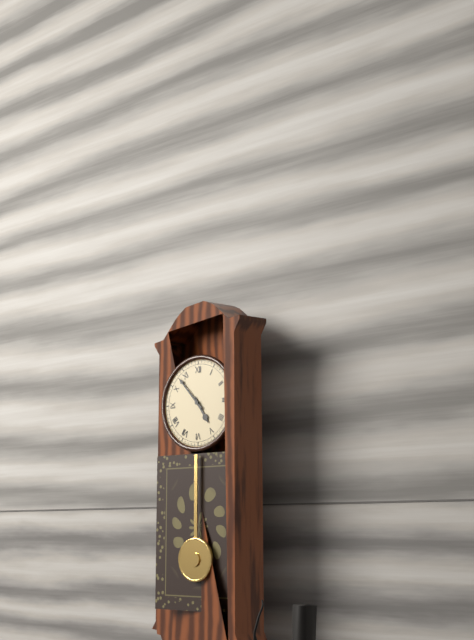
4.53
